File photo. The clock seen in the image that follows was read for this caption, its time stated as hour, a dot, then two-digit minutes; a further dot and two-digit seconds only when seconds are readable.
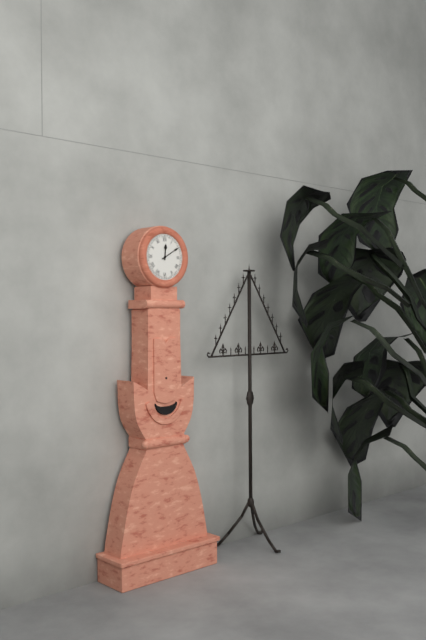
12.10
